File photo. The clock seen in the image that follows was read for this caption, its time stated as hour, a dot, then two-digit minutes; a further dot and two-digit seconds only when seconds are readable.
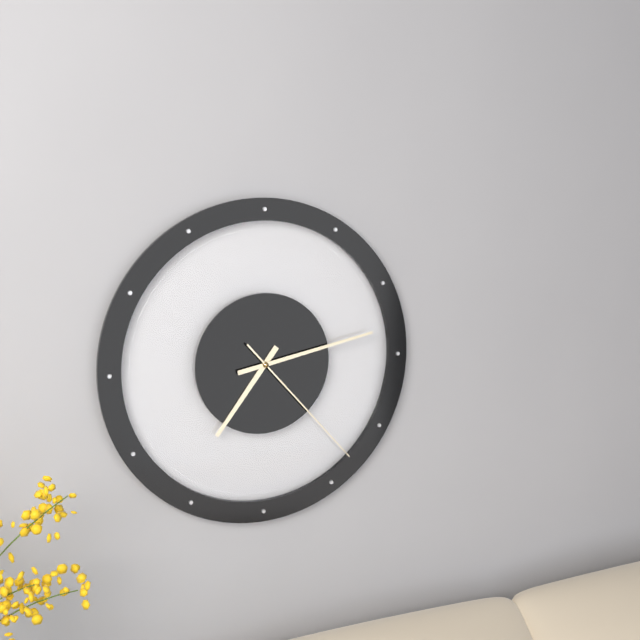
7.13.23
